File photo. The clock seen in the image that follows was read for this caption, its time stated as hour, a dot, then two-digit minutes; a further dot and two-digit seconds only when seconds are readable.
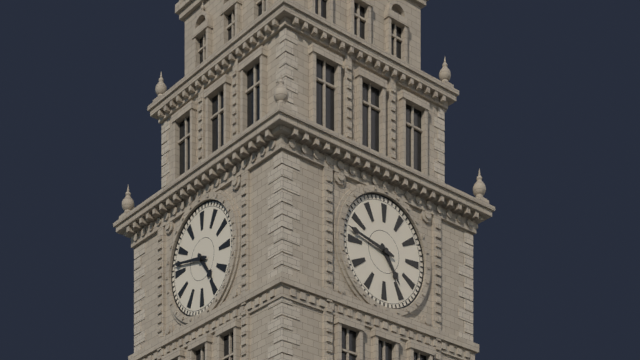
4.47
